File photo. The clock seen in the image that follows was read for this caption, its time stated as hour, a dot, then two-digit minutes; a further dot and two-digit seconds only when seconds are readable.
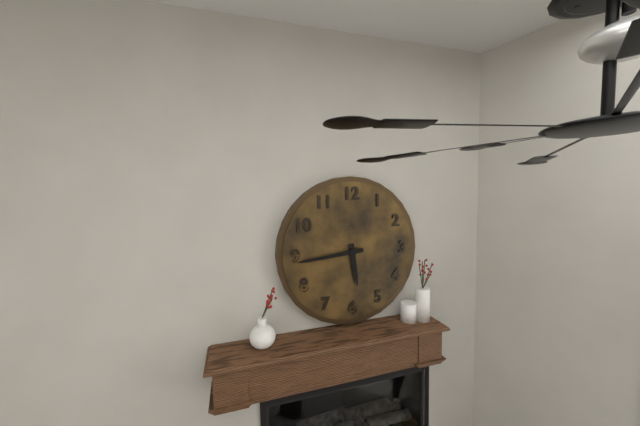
5.44
